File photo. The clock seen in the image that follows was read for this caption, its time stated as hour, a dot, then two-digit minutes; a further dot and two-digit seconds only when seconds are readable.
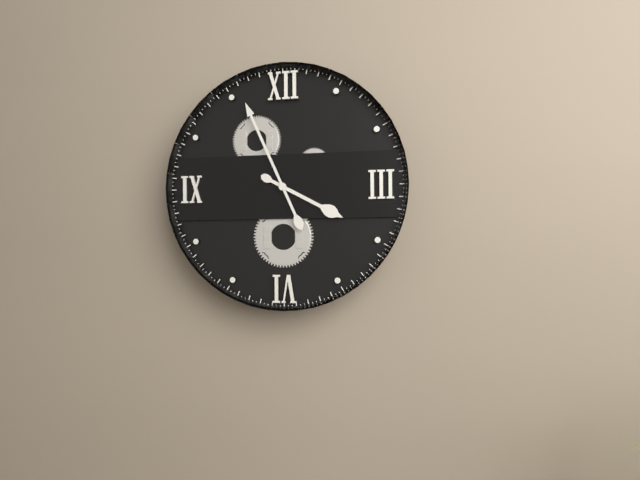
3.56
